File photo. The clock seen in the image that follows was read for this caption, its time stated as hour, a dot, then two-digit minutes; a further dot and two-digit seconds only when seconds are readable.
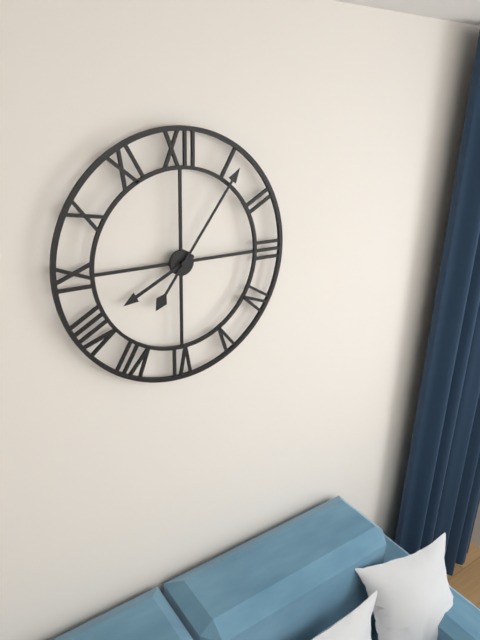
8.06
